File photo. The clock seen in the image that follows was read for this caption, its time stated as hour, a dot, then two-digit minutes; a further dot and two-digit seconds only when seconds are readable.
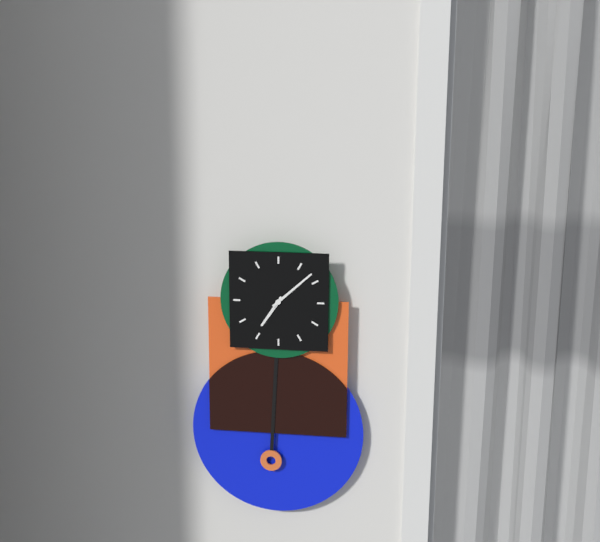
7.08
